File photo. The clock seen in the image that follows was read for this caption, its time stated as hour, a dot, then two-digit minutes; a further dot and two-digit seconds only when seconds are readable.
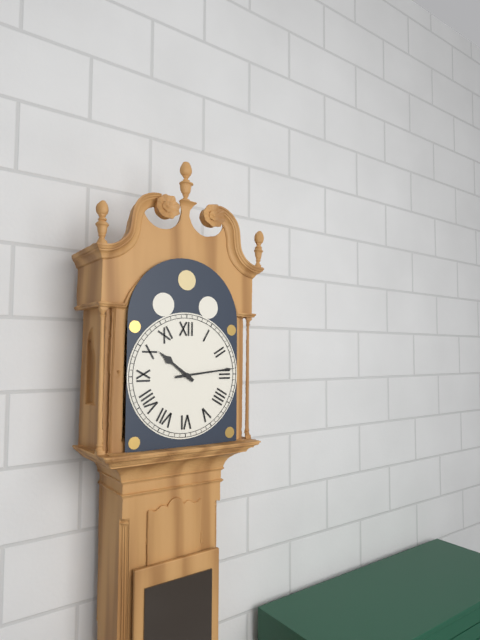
10.14
